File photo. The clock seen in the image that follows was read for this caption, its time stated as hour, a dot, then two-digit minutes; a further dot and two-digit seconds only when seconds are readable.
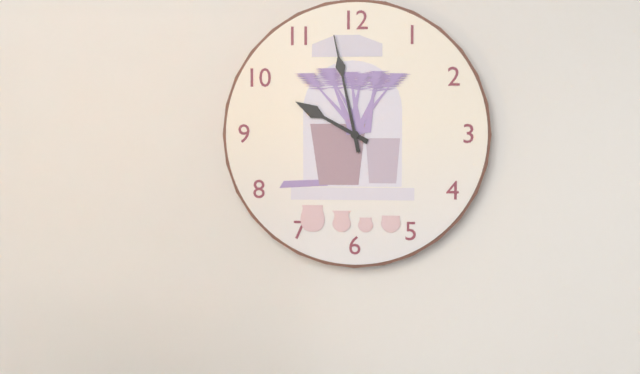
9.58
